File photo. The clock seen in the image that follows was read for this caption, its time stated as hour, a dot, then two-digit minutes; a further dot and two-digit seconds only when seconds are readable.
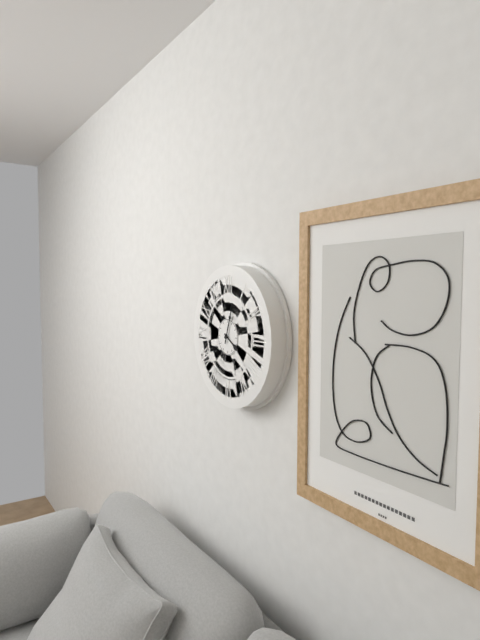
4.03
